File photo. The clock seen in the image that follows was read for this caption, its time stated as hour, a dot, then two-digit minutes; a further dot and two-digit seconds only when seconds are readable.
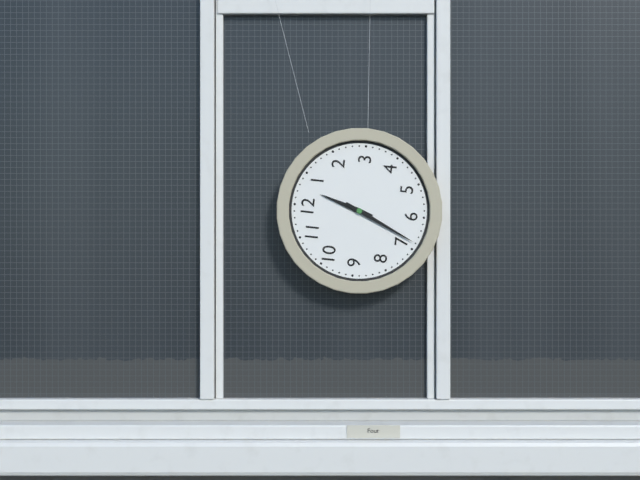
12.34
